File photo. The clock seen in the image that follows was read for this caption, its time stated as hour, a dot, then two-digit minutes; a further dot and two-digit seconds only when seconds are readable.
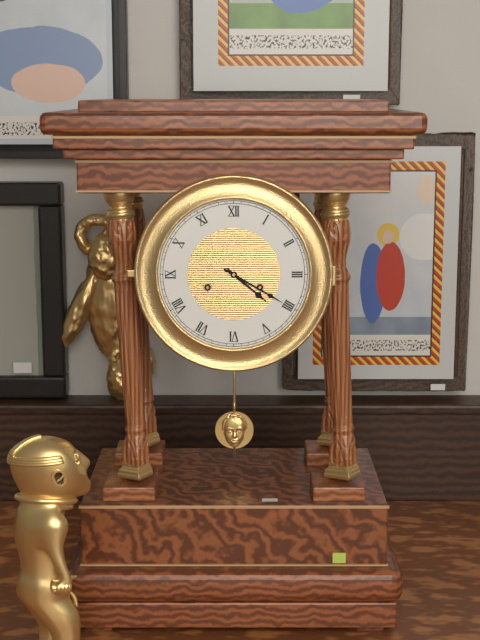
4.20
